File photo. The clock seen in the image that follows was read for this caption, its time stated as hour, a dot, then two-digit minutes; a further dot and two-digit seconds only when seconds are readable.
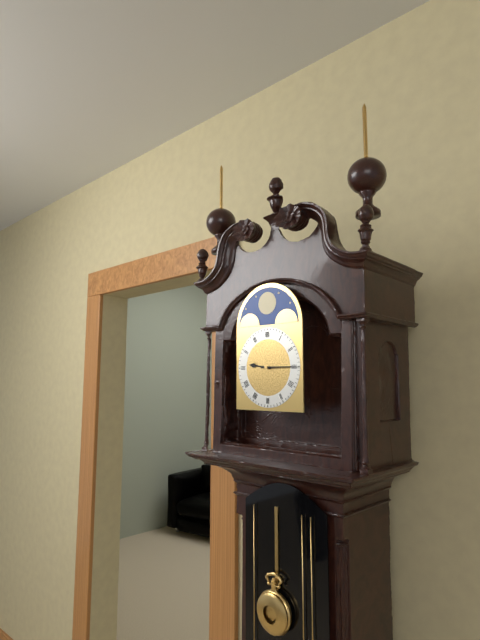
9.15
